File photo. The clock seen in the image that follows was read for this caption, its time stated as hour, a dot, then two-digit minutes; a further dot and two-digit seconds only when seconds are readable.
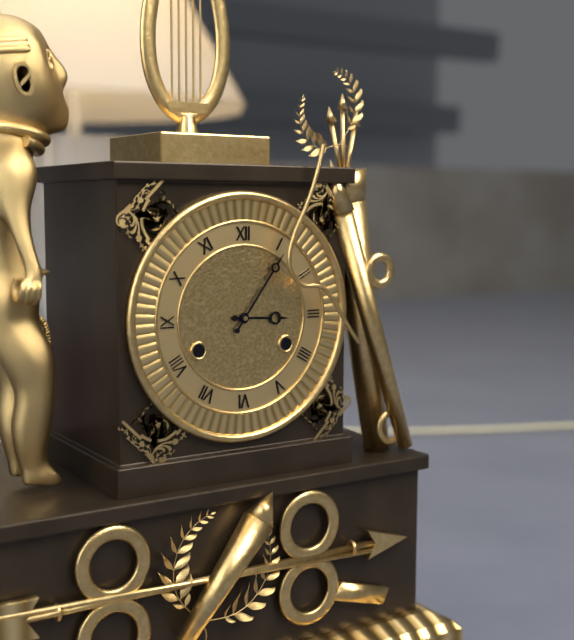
3.06
